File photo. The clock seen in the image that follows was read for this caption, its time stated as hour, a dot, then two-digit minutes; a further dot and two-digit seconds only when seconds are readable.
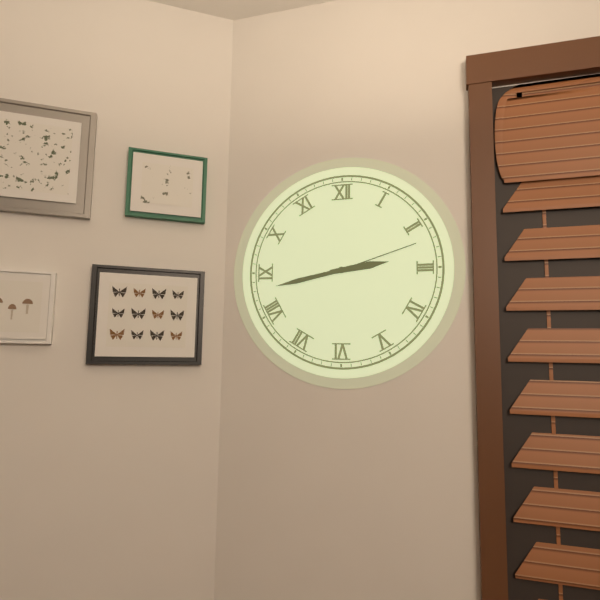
2.43.12
